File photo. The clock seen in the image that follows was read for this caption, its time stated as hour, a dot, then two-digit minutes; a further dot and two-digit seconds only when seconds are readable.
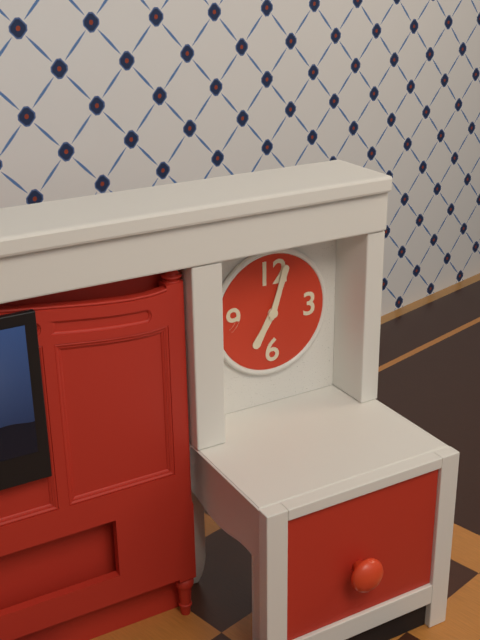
7.03
